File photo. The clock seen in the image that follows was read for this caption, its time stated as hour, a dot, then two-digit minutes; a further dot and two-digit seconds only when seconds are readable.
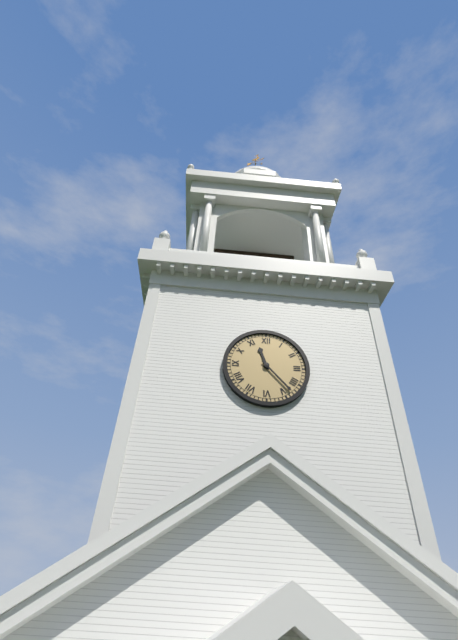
11.23
